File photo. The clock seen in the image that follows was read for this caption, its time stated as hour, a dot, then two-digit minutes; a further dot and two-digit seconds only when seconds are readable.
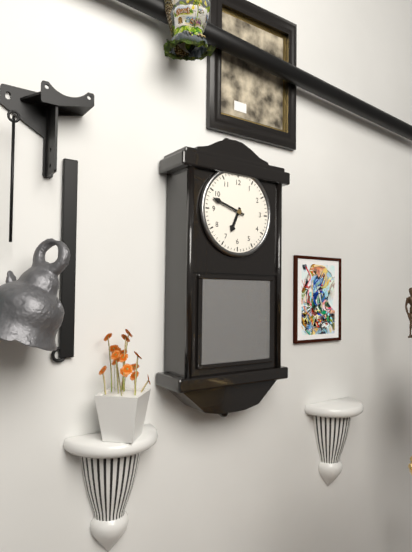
6.48
